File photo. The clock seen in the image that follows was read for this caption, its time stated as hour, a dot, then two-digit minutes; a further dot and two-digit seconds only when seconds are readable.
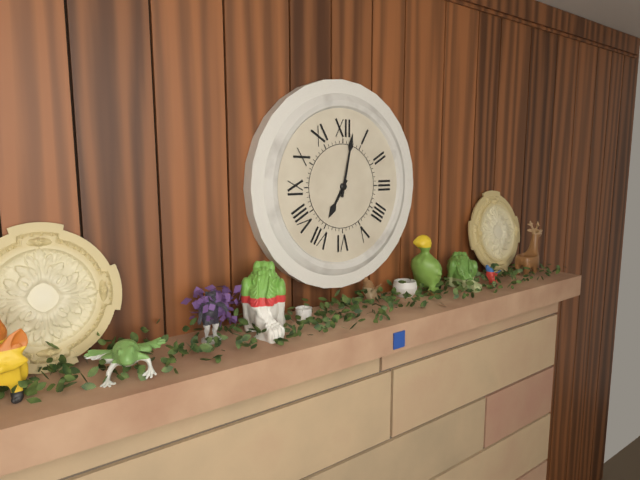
7.02
